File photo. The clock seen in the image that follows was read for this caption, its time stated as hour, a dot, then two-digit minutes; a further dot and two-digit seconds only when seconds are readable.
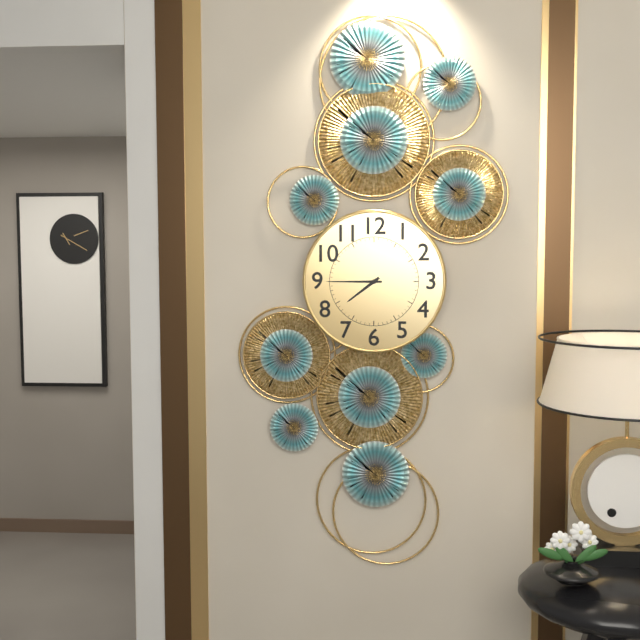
7.45
